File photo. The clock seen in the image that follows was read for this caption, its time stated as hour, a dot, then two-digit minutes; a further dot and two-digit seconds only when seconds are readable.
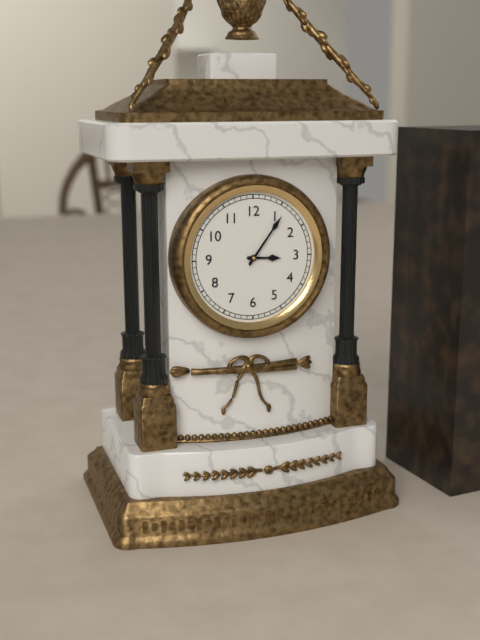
3.06
